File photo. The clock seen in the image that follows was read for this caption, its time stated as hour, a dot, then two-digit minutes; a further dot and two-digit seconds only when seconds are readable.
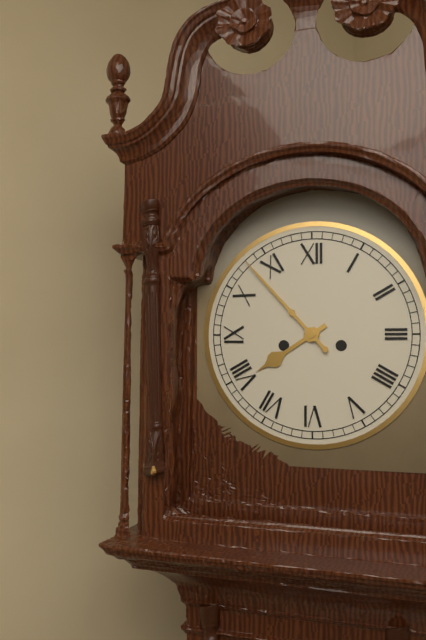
7.53
